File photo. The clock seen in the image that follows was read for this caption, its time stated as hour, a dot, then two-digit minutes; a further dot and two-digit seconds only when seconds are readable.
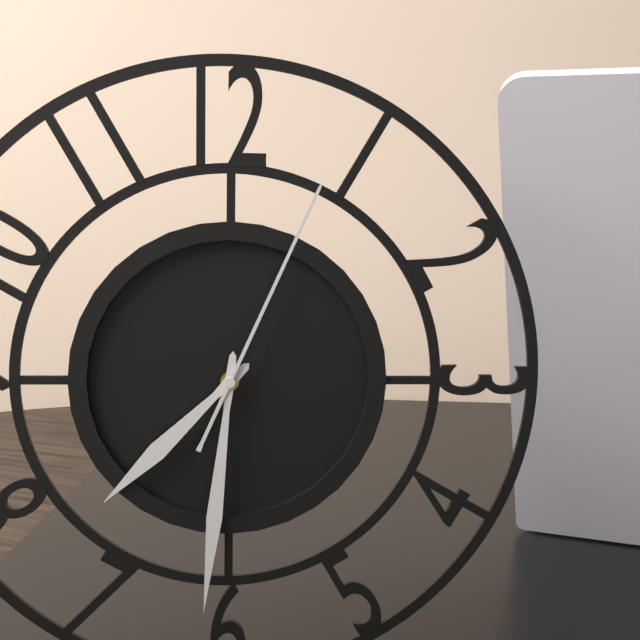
7.31.04
